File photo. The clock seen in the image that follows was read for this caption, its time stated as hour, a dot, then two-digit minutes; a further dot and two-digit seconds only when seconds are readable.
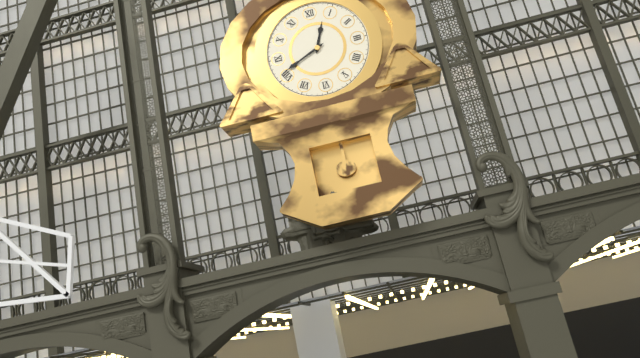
12.41
